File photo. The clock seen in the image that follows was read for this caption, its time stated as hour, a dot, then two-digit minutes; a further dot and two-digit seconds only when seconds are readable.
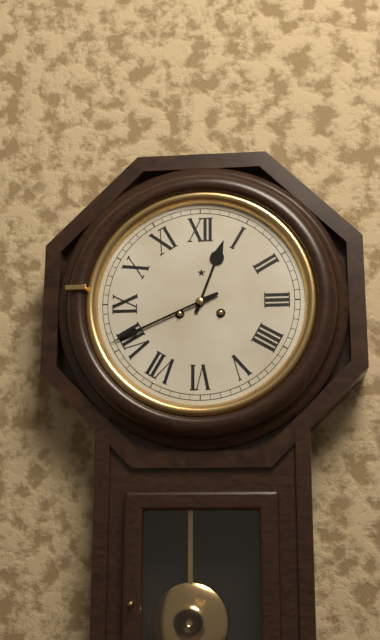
12.41
